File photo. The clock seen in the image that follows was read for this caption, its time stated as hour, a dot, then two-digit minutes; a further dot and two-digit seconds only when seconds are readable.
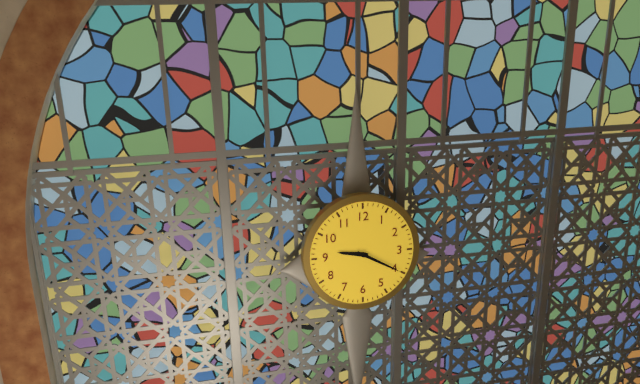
9.20
